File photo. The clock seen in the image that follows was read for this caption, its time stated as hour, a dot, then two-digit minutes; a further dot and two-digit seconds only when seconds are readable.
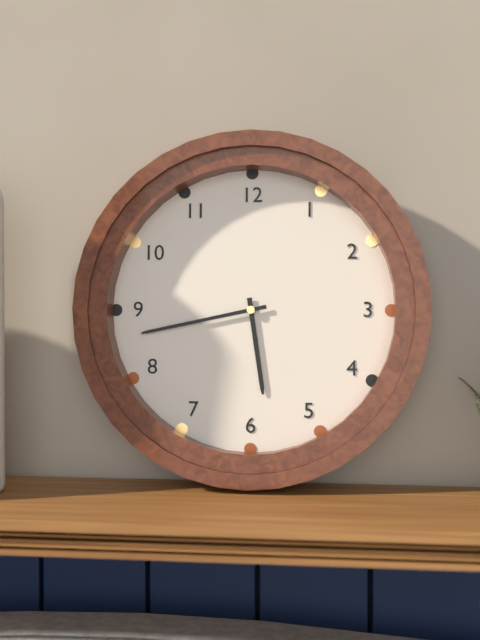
5.43
